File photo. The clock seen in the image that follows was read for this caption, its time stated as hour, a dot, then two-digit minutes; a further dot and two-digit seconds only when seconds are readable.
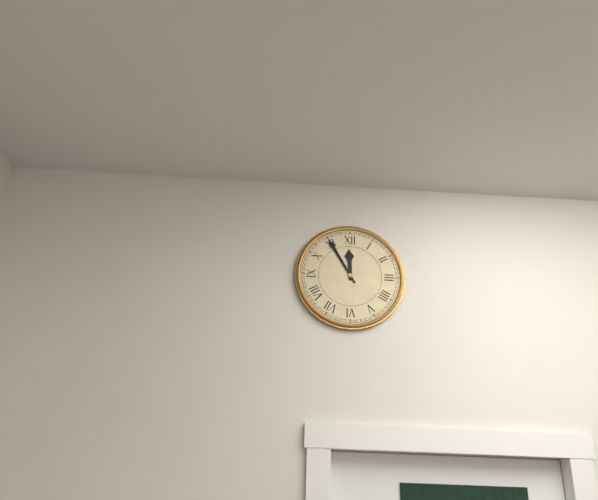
11.55
